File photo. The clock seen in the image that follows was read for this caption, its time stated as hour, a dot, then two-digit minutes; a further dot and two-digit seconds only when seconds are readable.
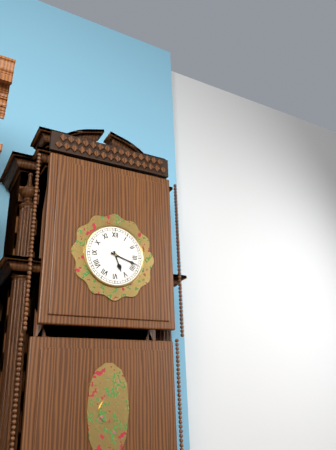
5.18
